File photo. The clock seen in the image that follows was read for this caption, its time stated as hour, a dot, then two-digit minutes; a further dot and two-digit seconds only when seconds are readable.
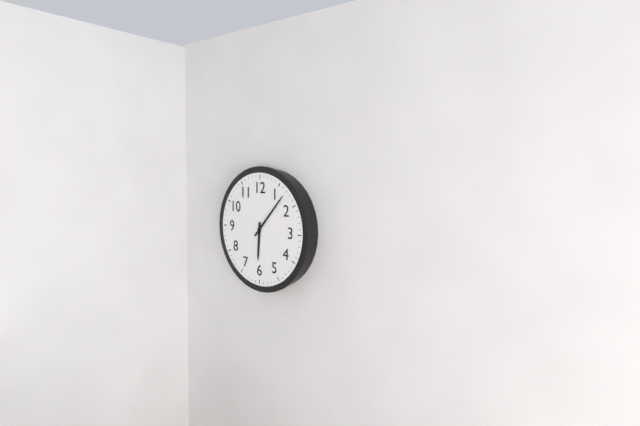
6.07
